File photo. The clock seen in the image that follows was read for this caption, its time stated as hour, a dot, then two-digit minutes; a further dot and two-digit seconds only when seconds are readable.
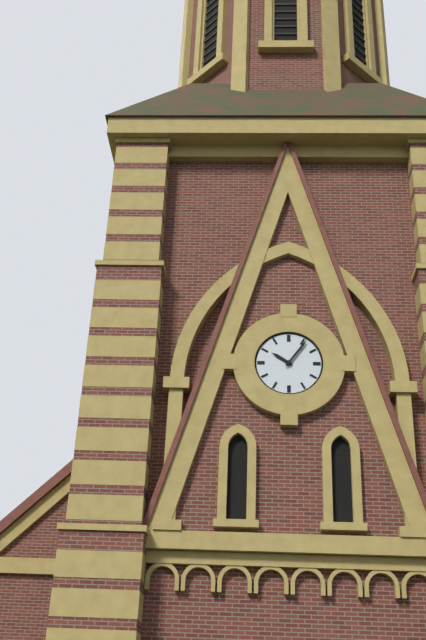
10.06
